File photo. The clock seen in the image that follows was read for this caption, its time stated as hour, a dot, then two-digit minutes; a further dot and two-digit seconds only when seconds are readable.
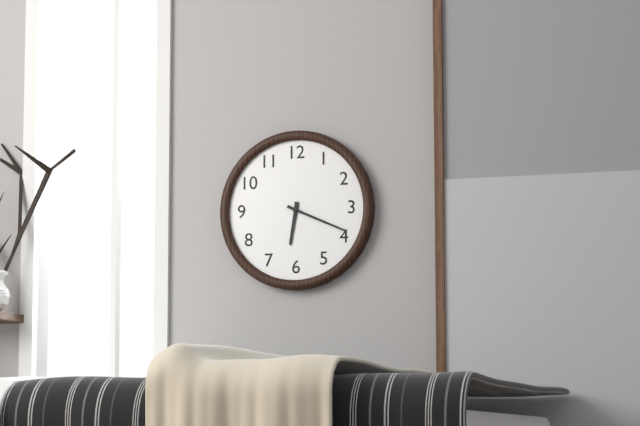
6.19
